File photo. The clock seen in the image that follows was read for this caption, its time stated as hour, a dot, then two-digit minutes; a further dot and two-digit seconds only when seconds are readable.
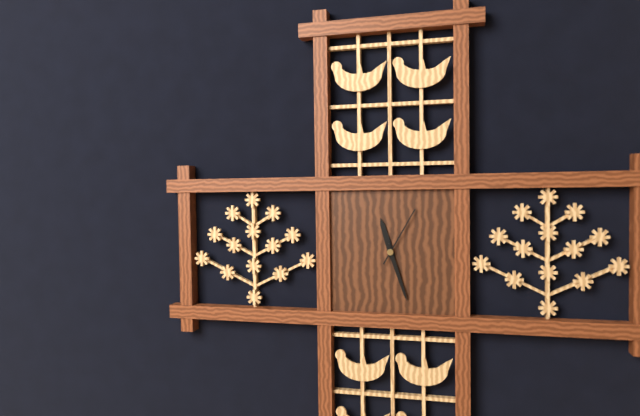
11.27.05
